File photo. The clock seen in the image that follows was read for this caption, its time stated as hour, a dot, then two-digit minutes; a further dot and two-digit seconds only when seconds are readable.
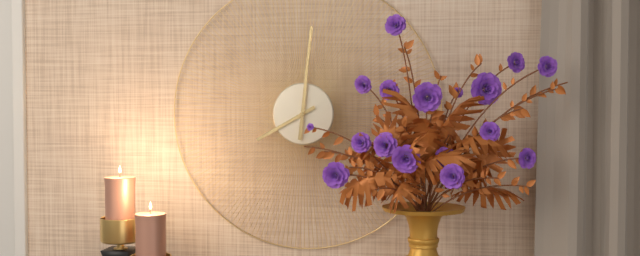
8.01
